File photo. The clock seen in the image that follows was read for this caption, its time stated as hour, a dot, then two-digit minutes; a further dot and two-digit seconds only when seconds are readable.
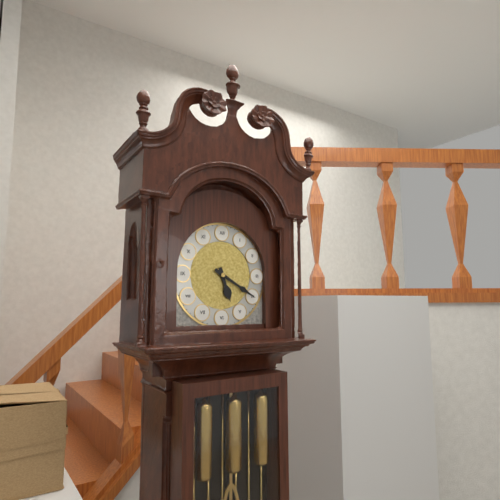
5.20
